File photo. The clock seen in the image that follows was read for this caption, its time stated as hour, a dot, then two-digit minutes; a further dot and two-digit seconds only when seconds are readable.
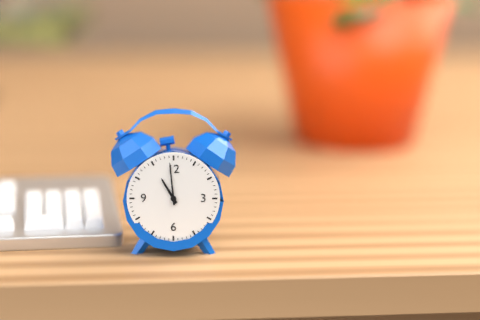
10.59
